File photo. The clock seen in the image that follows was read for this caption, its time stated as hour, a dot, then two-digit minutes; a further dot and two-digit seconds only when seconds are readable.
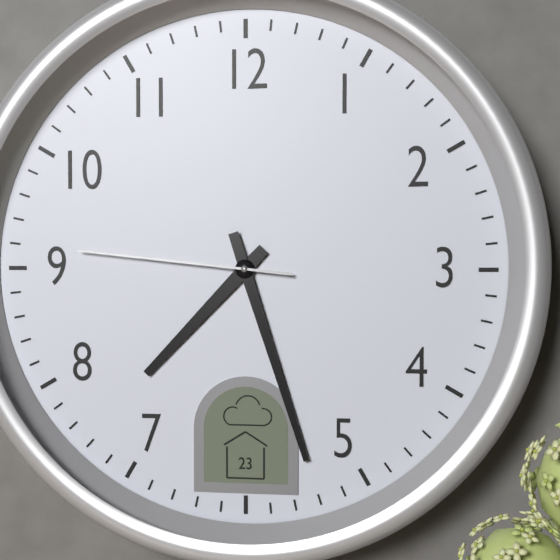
7.27.46
